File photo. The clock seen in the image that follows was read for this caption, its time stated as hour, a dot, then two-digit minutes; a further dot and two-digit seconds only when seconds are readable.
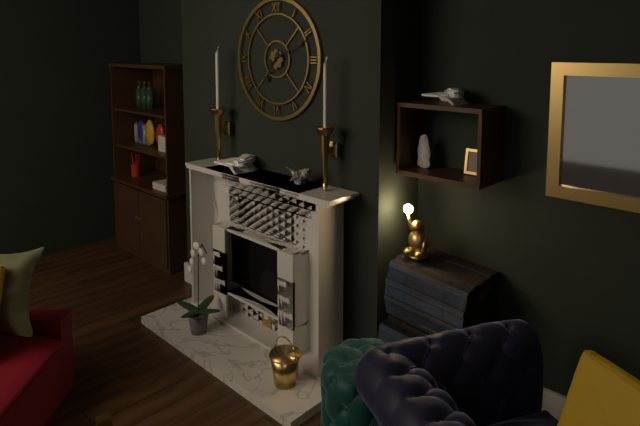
7.11
